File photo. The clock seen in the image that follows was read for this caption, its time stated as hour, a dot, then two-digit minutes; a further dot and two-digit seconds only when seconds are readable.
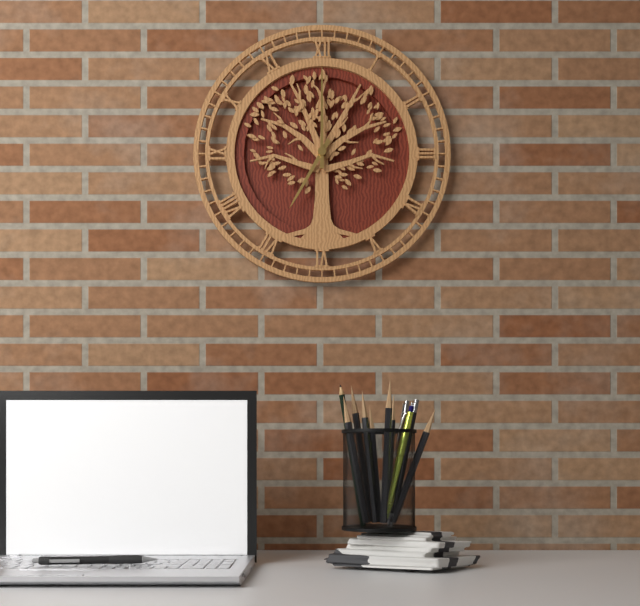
7.00
